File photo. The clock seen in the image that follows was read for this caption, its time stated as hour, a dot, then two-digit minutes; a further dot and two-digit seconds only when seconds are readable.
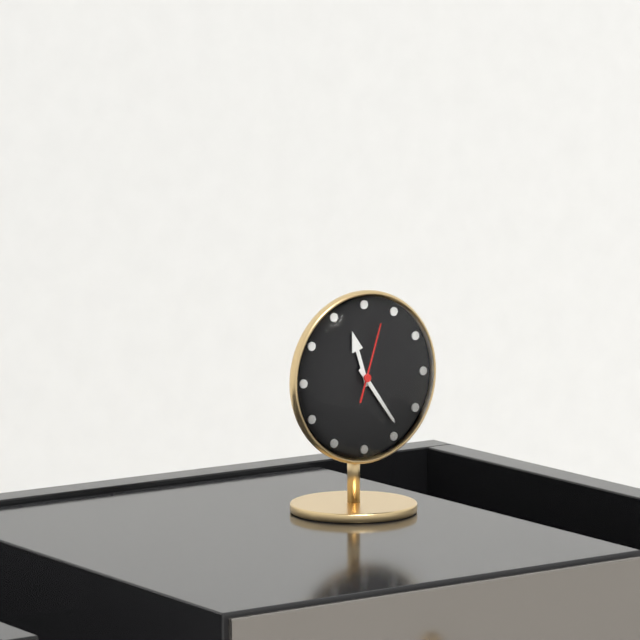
11.24.03
